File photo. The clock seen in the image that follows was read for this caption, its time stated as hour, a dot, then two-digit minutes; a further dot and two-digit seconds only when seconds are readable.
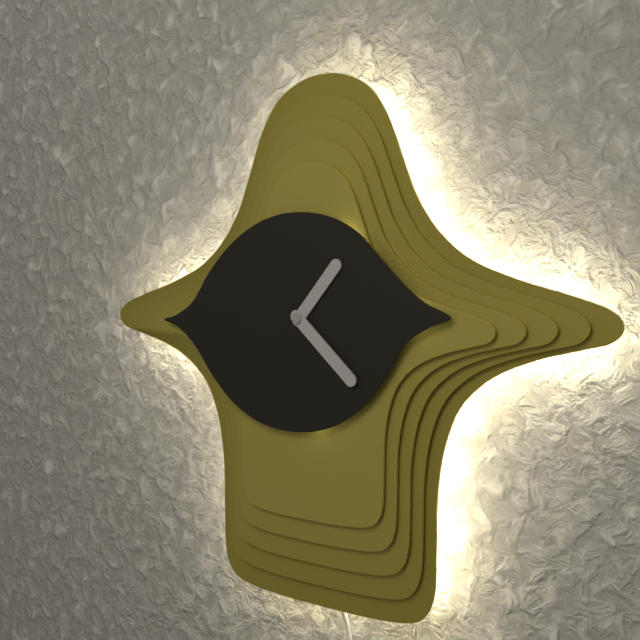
1.22
